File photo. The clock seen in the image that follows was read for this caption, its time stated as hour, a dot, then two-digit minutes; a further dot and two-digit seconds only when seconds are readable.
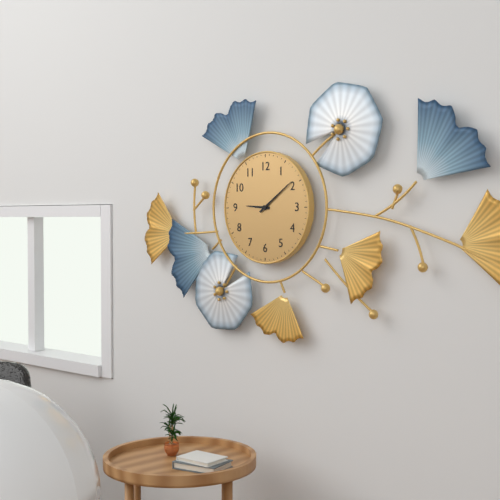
9.09
